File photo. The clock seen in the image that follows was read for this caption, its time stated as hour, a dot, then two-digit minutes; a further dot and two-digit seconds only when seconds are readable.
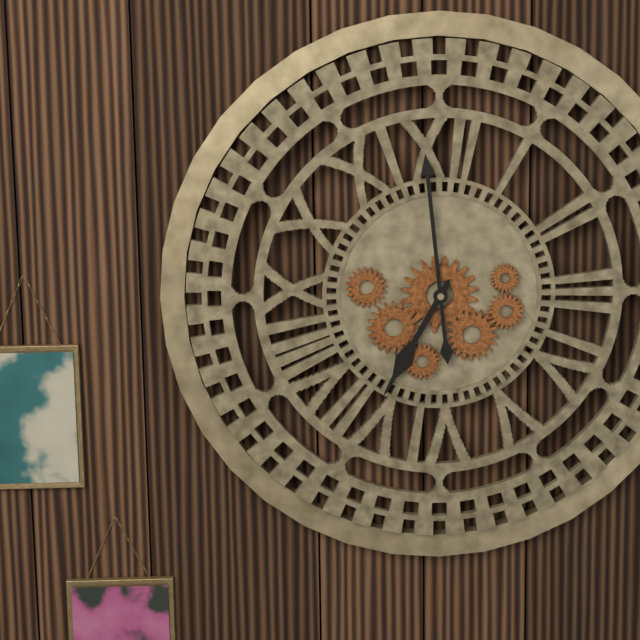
6.59
